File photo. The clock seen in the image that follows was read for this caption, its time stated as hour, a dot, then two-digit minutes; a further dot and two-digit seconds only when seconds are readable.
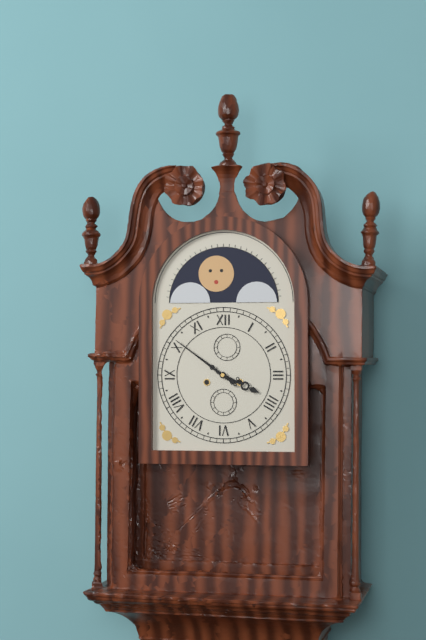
3.51
